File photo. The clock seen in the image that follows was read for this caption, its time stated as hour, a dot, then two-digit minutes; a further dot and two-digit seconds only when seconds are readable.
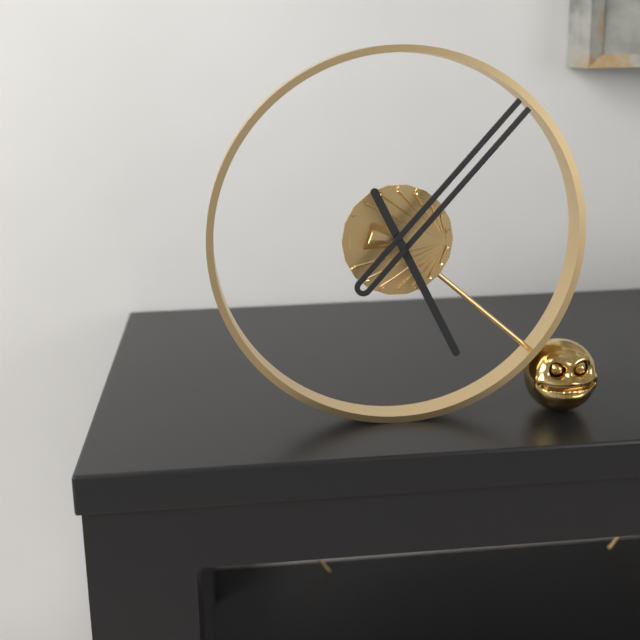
5.07
